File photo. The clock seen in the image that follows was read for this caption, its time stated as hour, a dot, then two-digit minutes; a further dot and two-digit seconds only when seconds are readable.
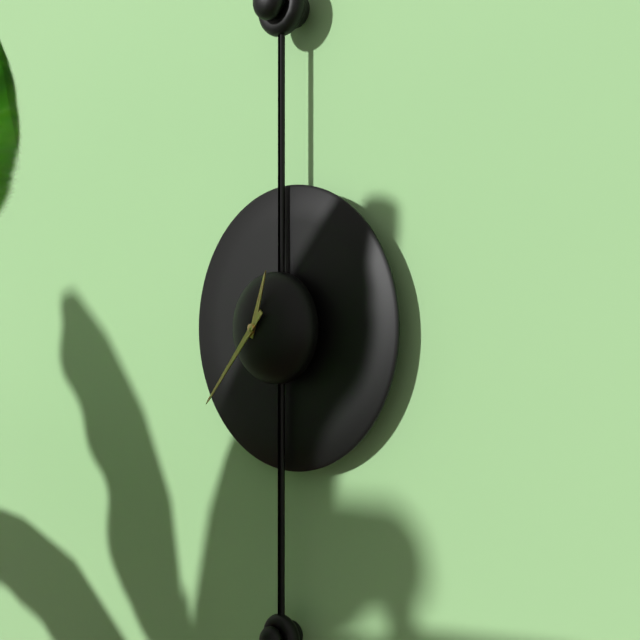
12.37
